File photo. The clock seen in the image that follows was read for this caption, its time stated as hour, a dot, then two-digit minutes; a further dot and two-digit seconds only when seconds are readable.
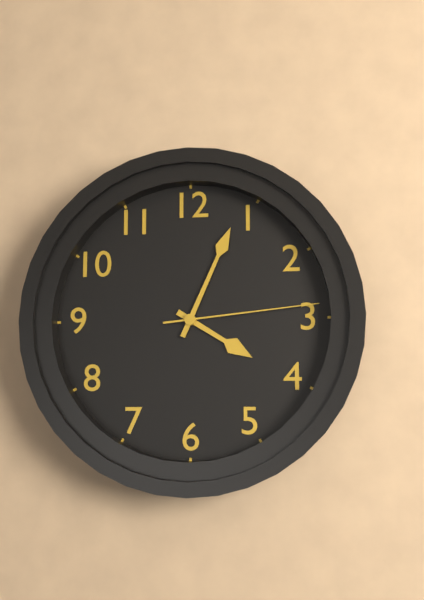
4.04.14
